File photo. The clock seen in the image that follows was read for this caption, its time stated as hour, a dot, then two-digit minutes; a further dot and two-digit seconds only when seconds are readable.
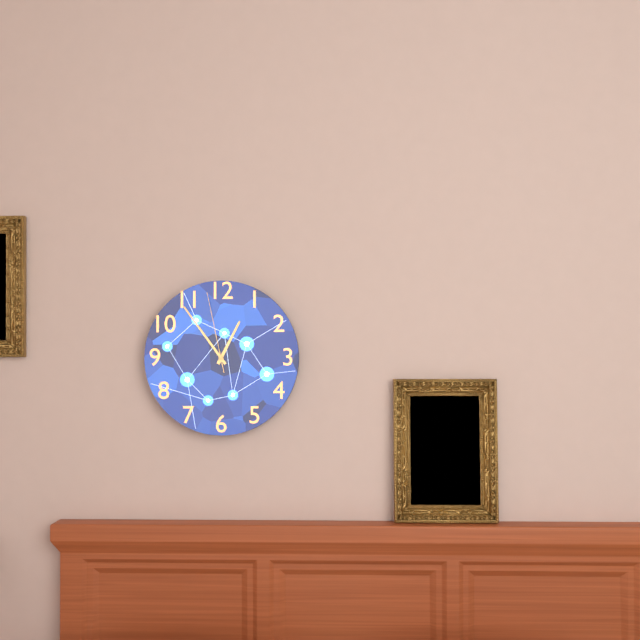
12.54.58
